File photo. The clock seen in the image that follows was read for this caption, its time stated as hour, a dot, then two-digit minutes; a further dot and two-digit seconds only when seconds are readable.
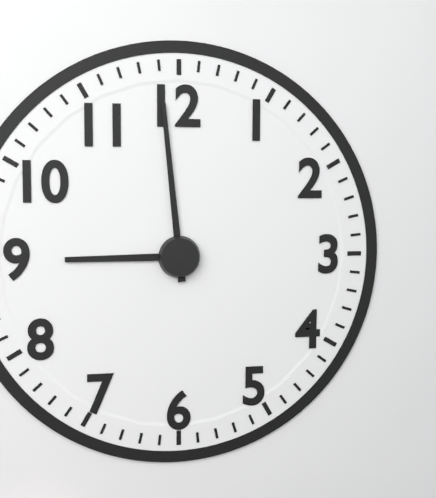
8.59
